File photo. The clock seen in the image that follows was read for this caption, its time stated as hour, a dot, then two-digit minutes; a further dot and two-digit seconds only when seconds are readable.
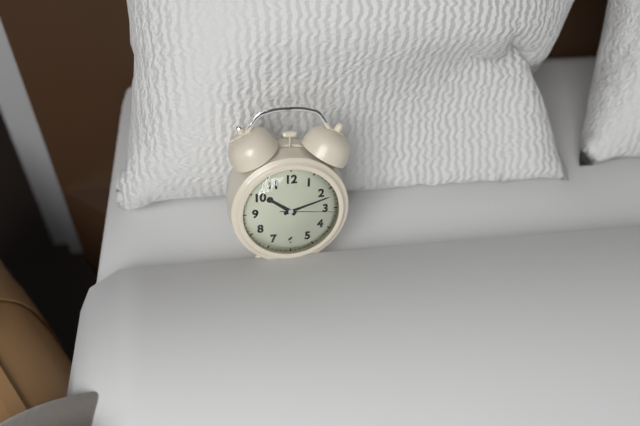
10.12.16
